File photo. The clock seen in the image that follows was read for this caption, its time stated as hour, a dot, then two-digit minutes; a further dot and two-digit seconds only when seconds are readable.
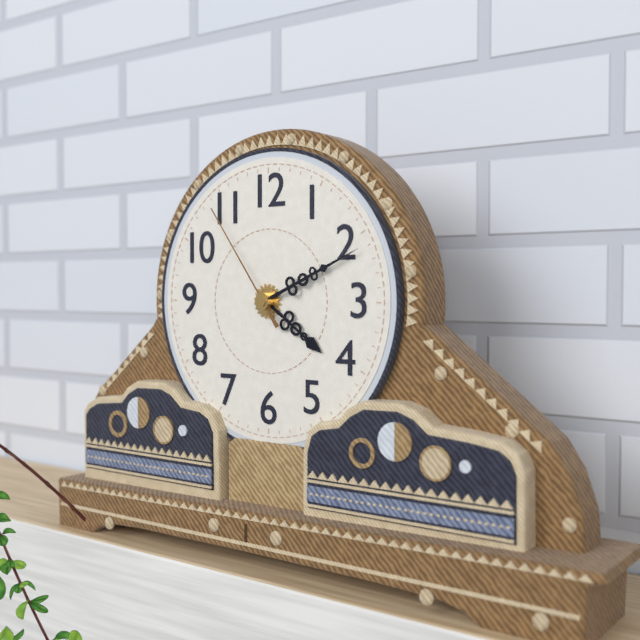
4.11.54
